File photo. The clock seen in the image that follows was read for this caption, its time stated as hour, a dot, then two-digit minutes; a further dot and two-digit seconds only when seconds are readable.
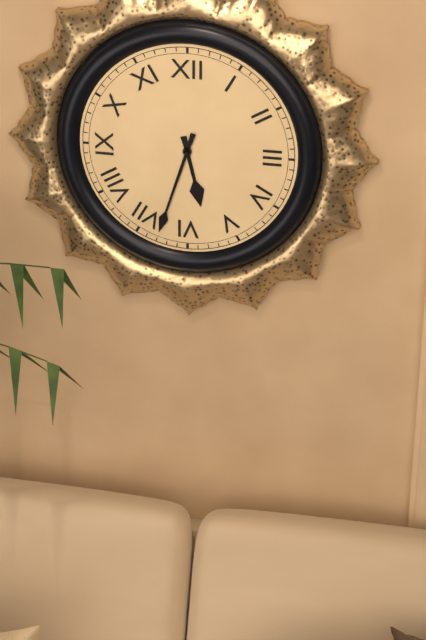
5.33
